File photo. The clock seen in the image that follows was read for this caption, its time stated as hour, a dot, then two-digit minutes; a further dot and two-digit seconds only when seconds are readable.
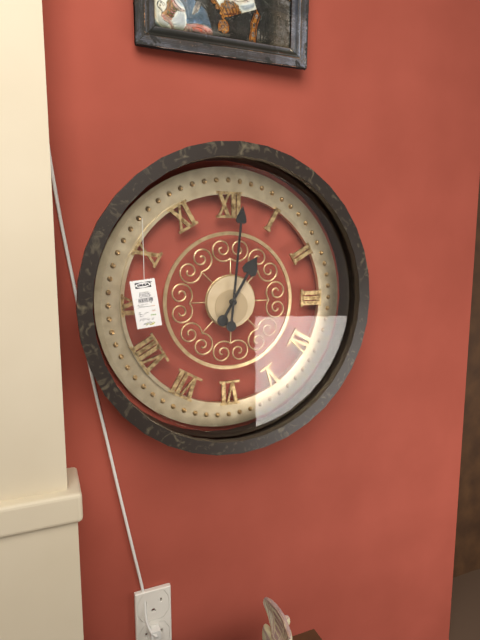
1.01
